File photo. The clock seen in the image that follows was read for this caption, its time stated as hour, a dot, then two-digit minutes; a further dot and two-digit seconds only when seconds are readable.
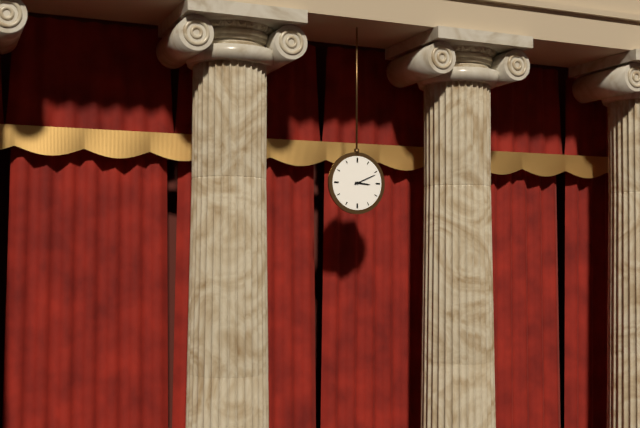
3.11
